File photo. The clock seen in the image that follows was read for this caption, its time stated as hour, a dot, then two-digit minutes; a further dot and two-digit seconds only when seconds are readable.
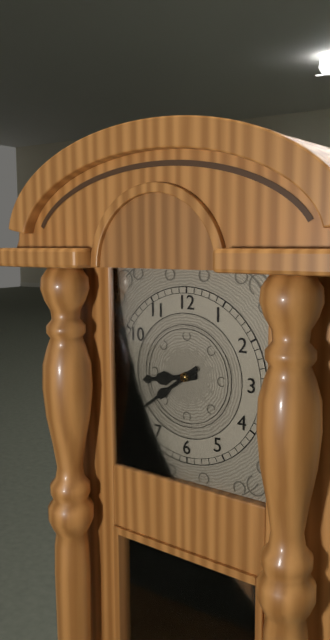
8.39
